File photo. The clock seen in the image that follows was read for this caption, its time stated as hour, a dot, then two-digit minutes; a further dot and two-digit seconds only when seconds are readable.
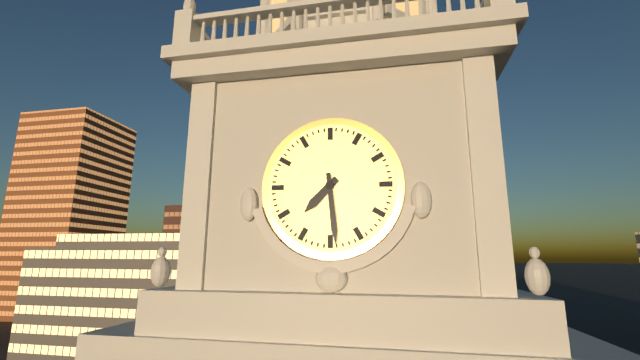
7.29
